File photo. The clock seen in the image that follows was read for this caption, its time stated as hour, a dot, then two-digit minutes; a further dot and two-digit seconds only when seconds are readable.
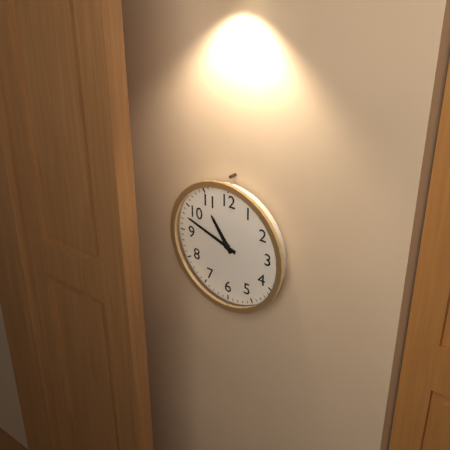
10.48
